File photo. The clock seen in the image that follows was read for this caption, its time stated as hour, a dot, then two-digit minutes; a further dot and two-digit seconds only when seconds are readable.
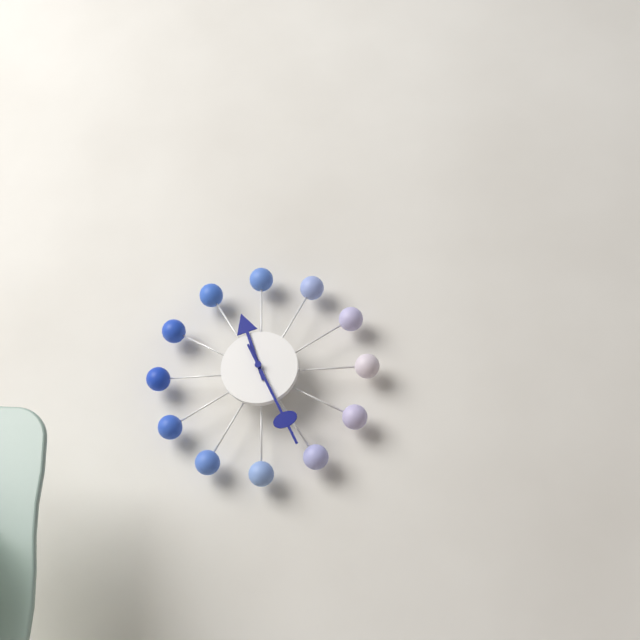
11.26
